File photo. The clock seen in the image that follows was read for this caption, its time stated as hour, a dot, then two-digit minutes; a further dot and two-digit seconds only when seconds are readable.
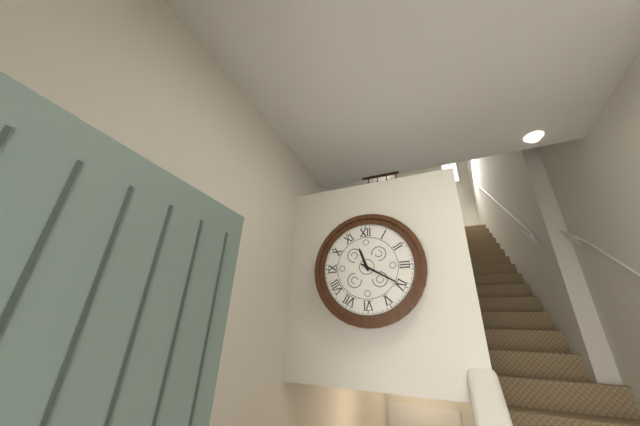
11.20
